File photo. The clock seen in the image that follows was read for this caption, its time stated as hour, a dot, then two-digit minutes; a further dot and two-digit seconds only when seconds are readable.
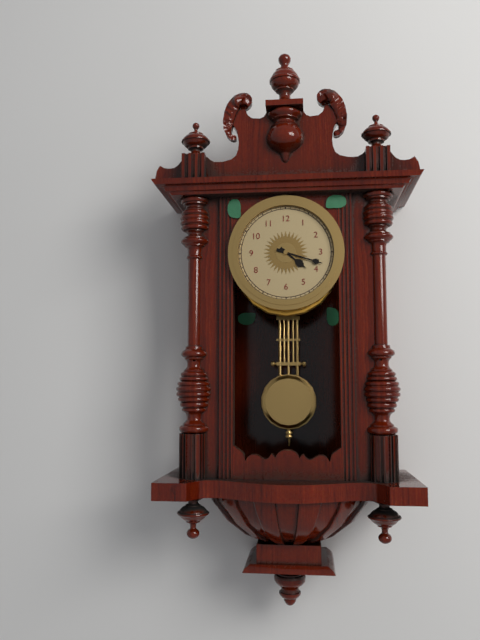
4.18
